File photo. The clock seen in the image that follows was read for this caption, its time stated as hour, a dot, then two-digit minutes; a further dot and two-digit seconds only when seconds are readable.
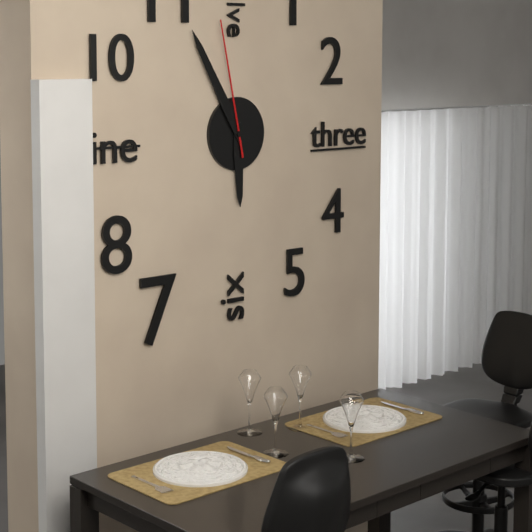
5.55.58
